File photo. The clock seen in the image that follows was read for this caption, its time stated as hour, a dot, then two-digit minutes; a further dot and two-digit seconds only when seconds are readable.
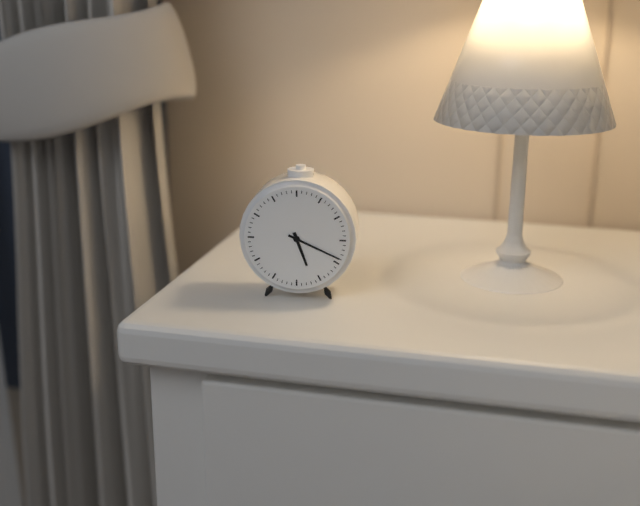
5.19
